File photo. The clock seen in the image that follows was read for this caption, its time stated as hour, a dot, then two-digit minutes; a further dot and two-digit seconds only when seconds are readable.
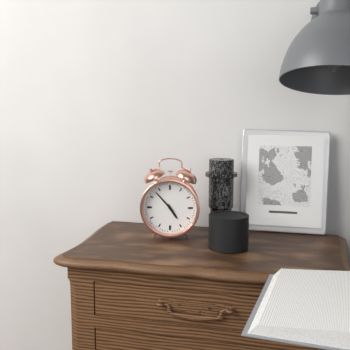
4.53
